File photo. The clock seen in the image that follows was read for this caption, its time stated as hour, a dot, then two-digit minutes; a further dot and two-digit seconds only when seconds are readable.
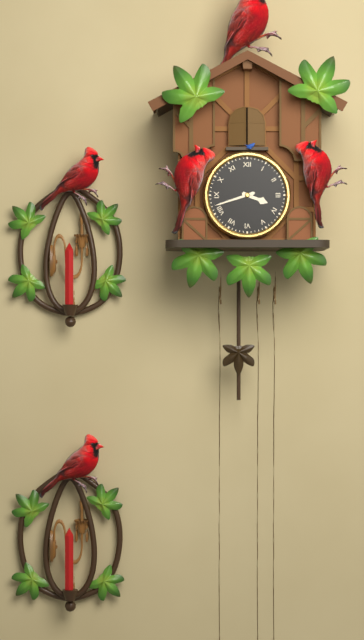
3.42
